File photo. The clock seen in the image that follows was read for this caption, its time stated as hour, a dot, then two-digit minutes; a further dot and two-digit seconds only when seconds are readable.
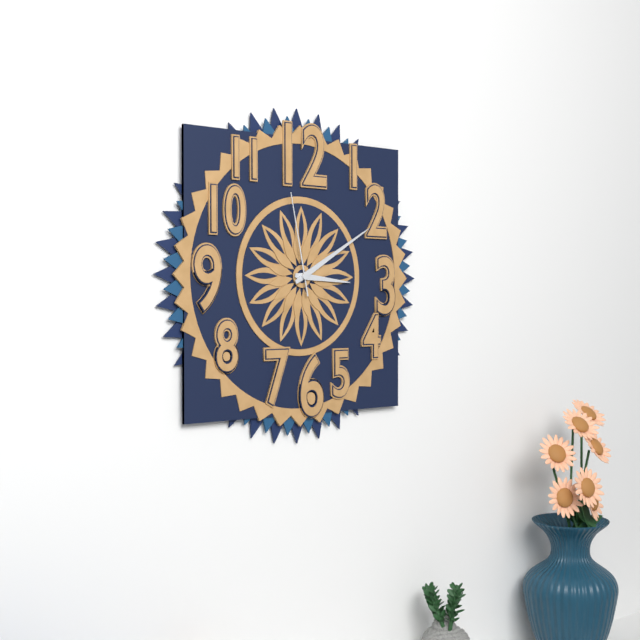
3.10.58
